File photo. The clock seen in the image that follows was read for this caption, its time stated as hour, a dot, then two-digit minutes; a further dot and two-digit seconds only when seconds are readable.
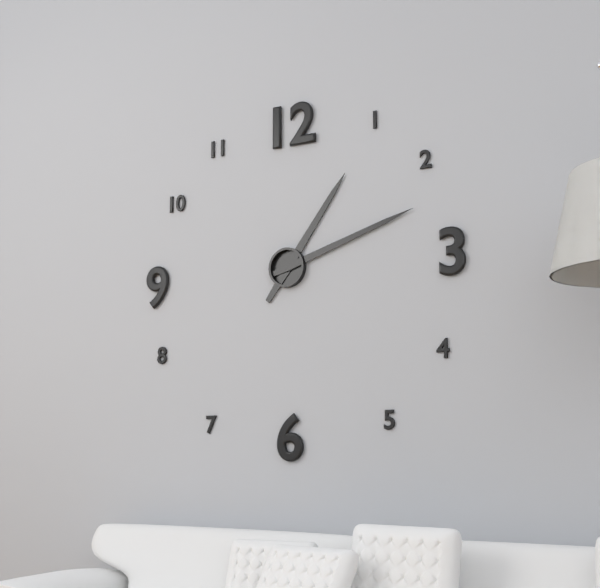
1.12
